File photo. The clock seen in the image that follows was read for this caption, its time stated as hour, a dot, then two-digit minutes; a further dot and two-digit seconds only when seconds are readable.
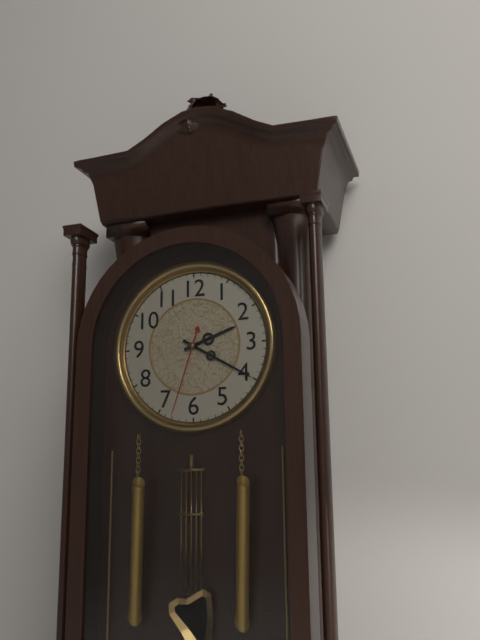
2.20.33
